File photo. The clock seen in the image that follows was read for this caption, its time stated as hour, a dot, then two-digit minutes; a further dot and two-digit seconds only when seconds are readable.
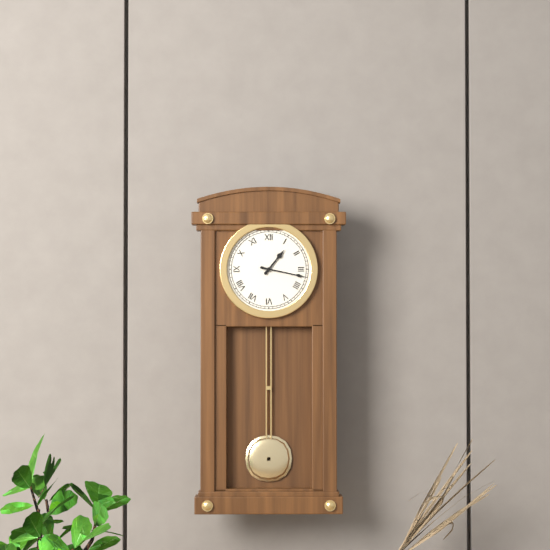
1.17
